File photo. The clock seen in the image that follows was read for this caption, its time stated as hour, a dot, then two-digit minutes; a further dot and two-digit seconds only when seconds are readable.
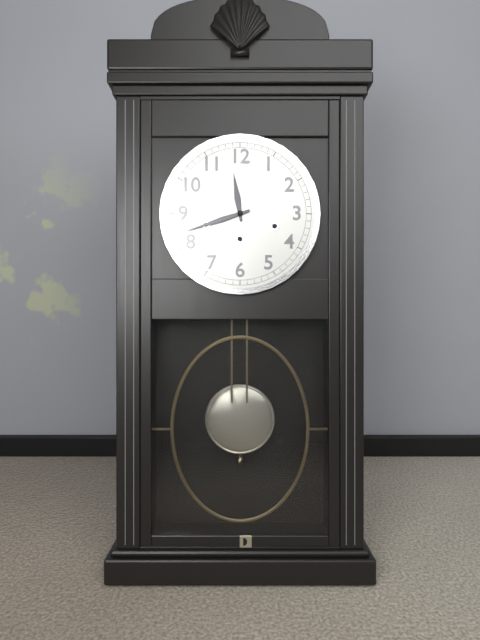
11.42
